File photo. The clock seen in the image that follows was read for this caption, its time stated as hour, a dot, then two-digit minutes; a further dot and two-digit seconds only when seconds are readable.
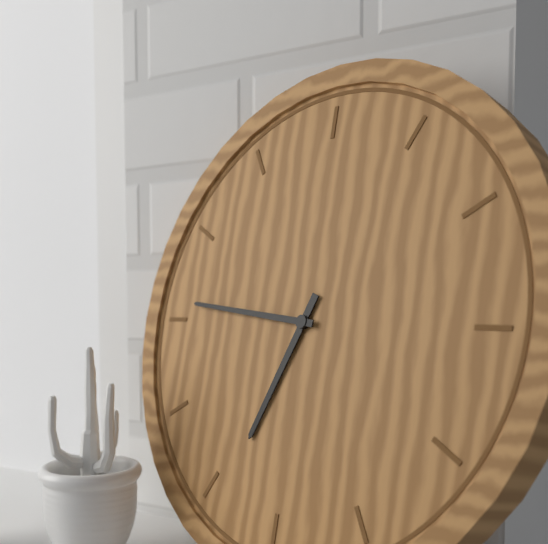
6.46
